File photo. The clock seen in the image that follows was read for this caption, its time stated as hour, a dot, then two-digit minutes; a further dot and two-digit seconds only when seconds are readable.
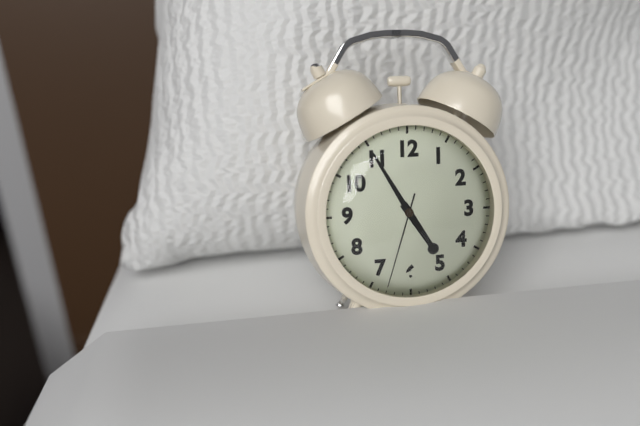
4.55.33
